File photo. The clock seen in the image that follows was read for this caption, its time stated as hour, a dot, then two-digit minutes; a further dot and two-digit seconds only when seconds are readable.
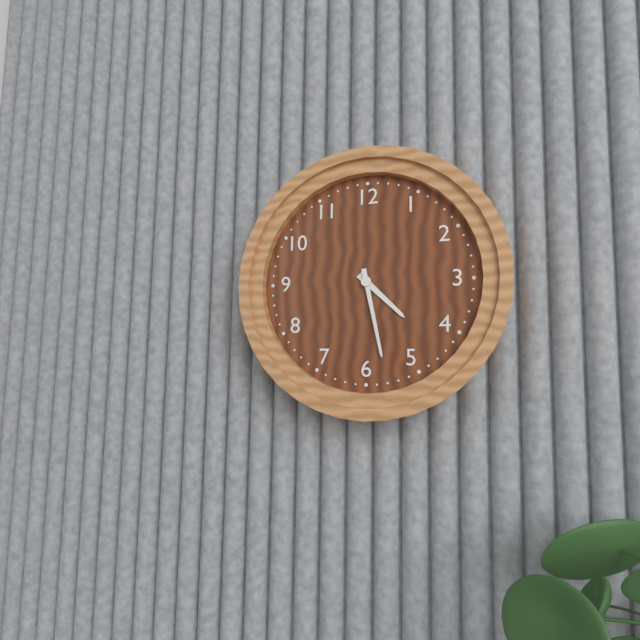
4.28
